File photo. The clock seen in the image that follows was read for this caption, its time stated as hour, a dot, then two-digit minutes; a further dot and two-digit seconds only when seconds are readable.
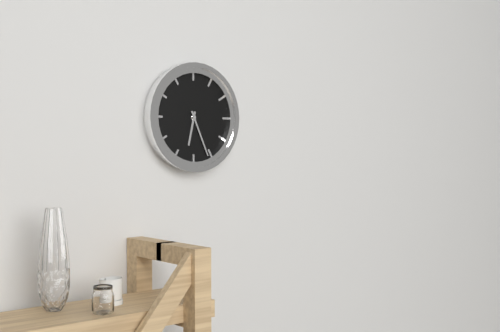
6.26
